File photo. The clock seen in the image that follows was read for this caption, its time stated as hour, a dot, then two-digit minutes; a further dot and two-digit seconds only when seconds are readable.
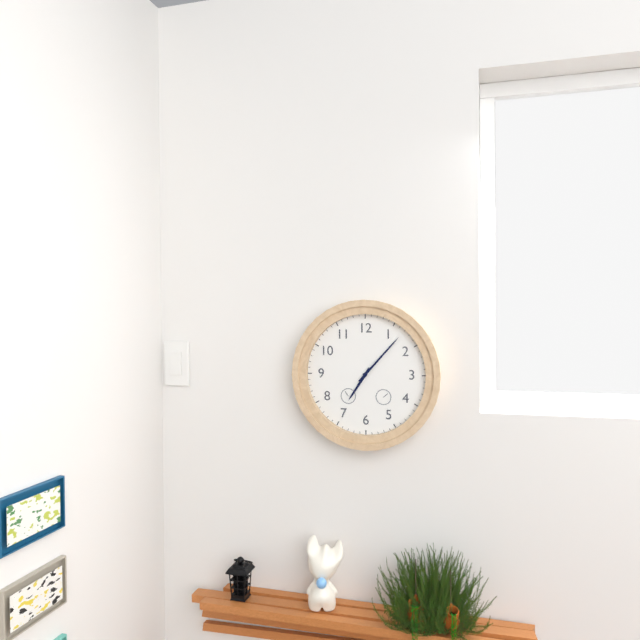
7.07
